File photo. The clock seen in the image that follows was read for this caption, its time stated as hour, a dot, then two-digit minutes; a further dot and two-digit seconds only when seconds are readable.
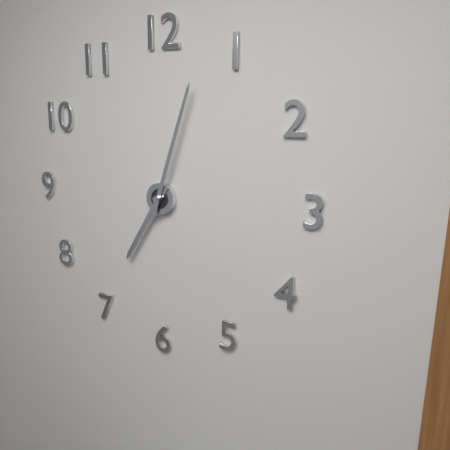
7.03
